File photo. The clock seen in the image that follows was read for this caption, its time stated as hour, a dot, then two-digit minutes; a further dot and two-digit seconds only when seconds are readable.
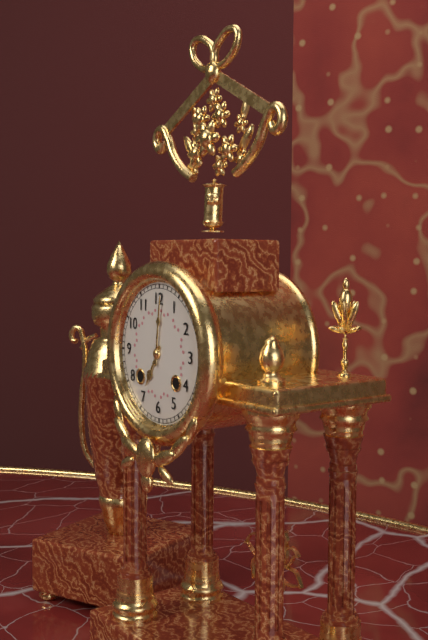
7.01
